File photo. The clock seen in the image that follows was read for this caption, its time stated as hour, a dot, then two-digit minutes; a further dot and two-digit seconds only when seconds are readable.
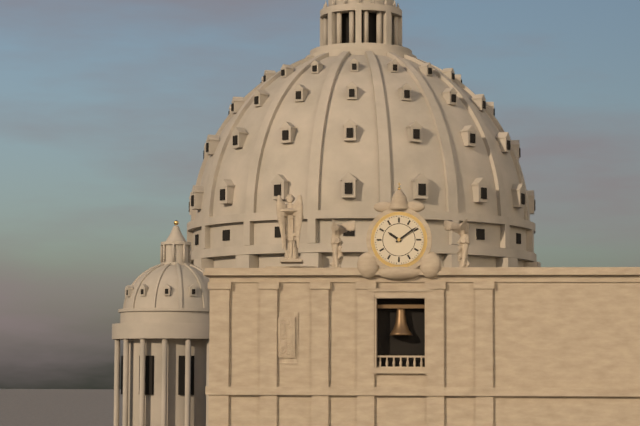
10.09
